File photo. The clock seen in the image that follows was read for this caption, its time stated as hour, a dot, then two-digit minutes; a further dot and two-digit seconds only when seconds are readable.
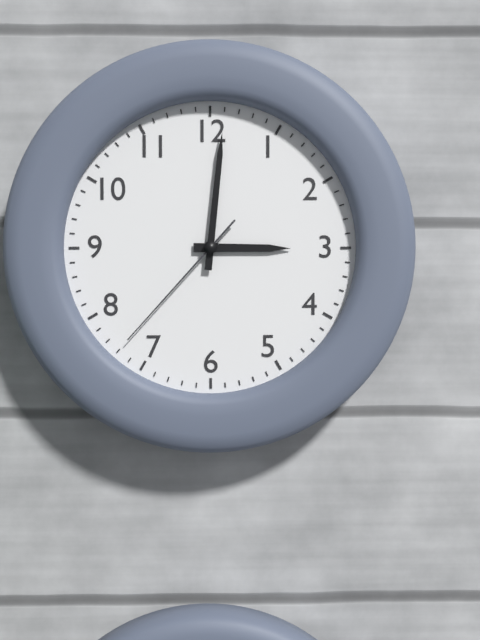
3.01.37
